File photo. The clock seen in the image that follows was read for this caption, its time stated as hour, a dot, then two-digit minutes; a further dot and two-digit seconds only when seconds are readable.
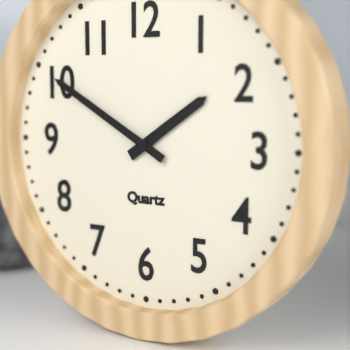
1.50
